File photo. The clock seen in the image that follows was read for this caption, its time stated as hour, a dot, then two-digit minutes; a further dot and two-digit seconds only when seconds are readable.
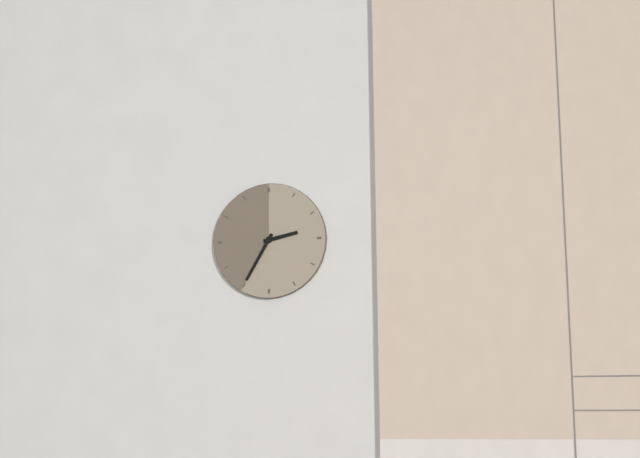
2.35
